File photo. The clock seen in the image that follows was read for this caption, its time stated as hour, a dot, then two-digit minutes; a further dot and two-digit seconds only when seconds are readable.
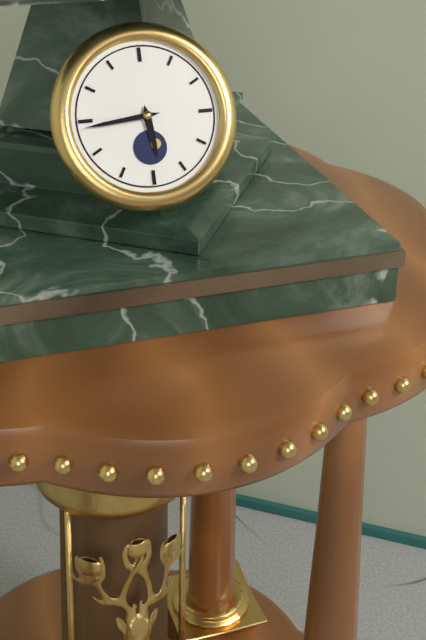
5.44
